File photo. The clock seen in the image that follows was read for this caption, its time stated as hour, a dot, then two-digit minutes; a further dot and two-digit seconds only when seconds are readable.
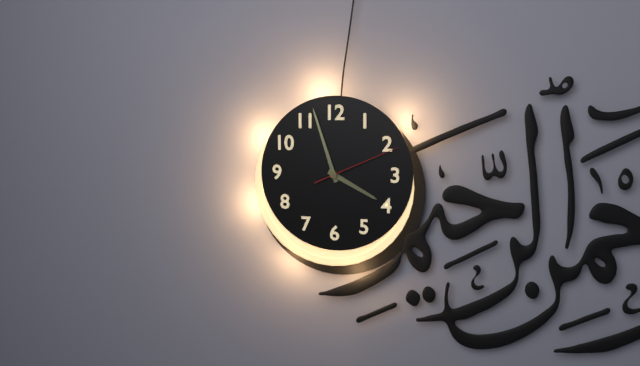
3.57.11
